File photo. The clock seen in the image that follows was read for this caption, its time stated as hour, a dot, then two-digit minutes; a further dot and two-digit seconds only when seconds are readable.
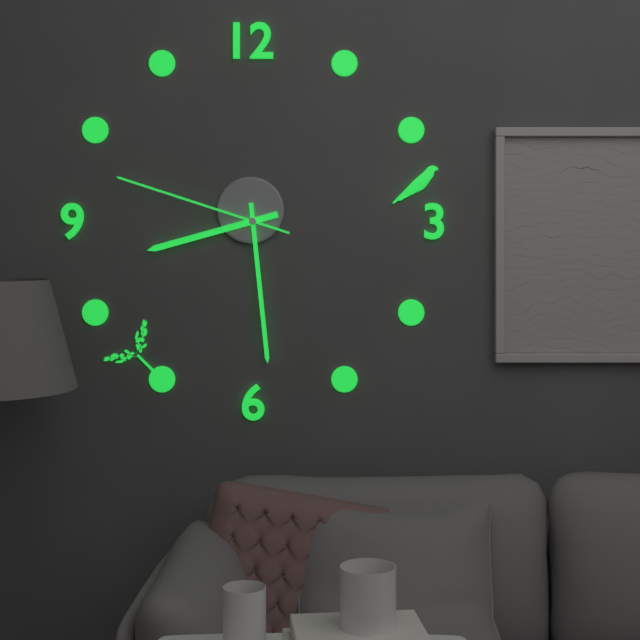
8.29.48
